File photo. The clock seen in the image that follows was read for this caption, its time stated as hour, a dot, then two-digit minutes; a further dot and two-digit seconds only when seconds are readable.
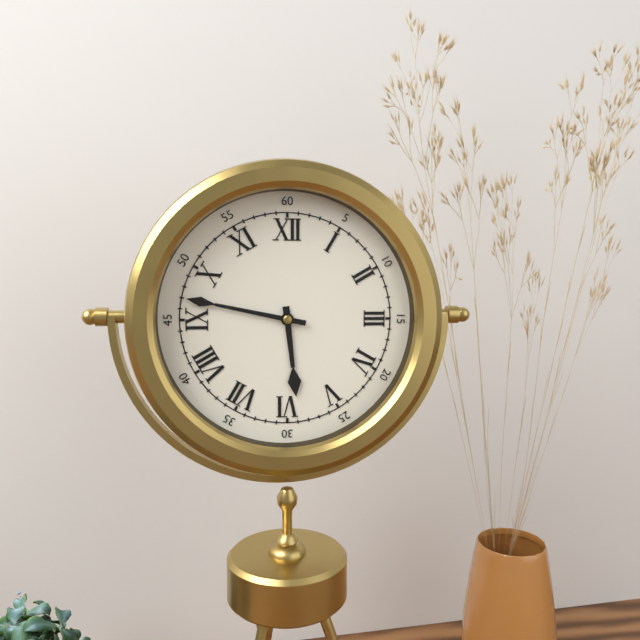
5.47
